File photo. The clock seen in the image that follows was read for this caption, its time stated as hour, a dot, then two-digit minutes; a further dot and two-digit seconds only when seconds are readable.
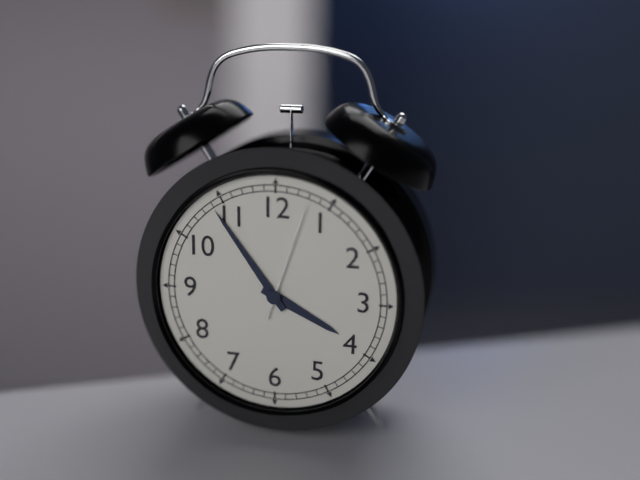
3.54.03
